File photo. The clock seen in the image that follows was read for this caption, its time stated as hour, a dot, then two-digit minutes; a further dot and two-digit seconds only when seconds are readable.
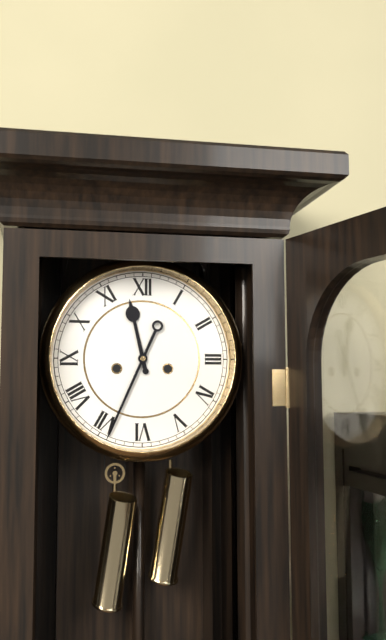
11.34
